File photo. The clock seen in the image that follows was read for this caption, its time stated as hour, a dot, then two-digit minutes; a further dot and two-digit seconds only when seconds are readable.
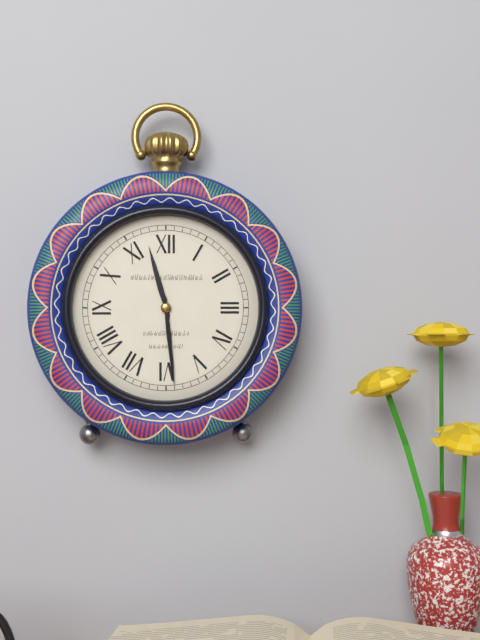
11.29
